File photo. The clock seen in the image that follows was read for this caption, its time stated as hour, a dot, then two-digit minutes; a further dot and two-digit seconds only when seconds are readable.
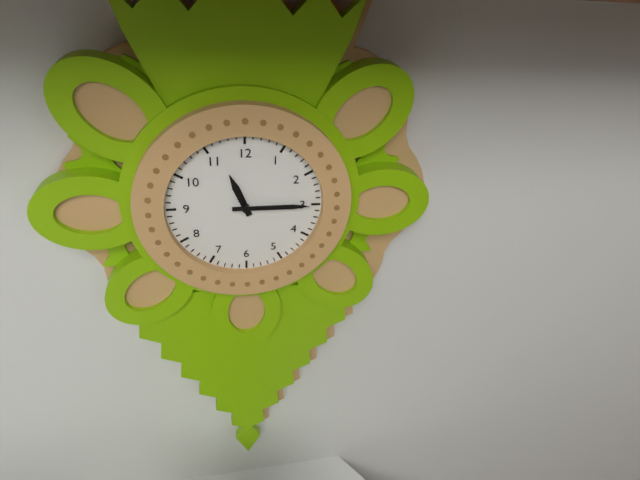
11.15
